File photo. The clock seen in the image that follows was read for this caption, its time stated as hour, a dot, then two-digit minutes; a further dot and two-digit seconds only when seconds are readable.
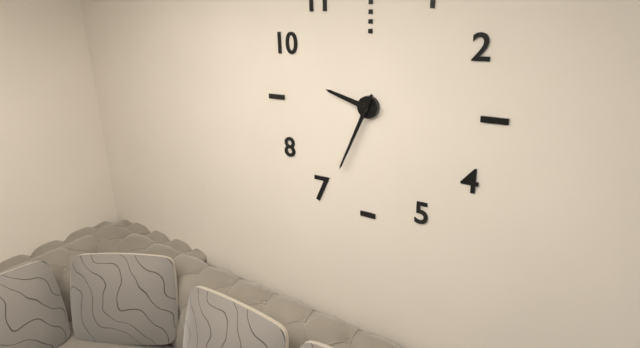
9.34
